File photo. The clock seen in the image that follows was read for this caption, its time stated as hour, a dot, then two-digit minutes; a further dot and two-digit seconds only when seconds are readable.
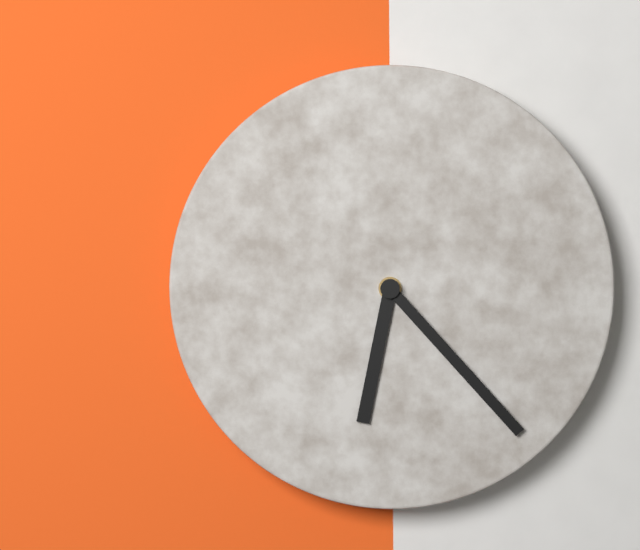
6.23
